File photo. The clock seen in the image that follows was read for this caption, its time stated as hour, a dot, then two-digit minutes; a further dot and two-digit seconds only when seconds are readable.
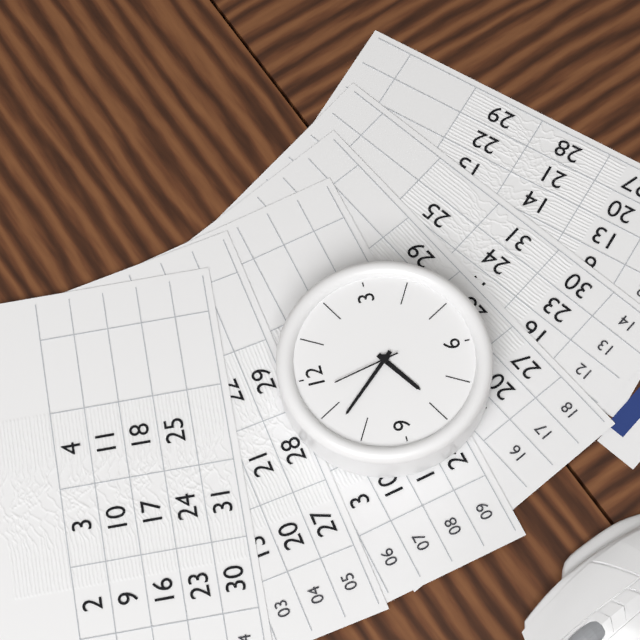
7.53.58
